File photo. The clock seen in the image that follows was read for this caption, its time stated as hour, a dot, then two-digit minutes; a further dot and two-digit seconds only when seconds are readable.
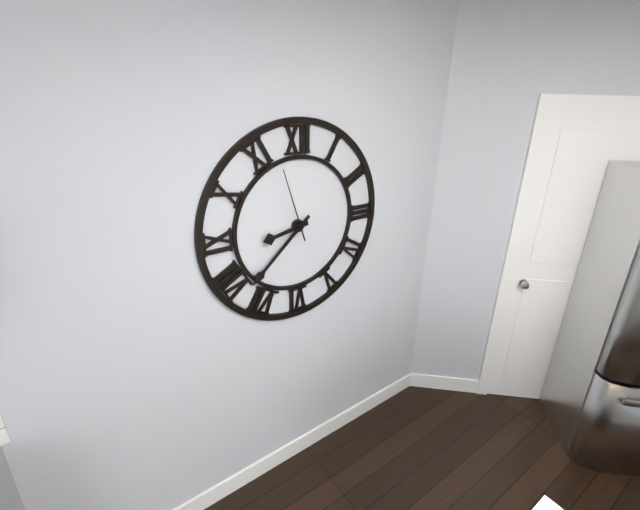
8.38.57
